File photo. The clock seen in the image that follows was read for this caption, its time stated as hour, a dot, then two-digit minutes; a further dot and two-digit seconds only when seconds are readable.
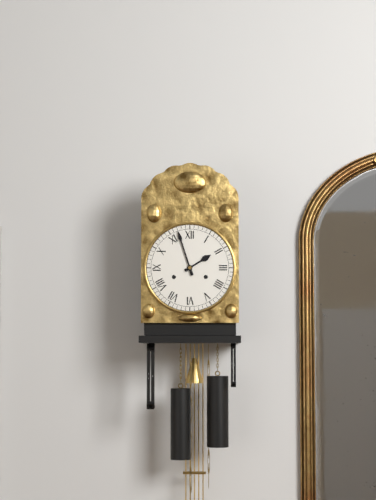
1.57
